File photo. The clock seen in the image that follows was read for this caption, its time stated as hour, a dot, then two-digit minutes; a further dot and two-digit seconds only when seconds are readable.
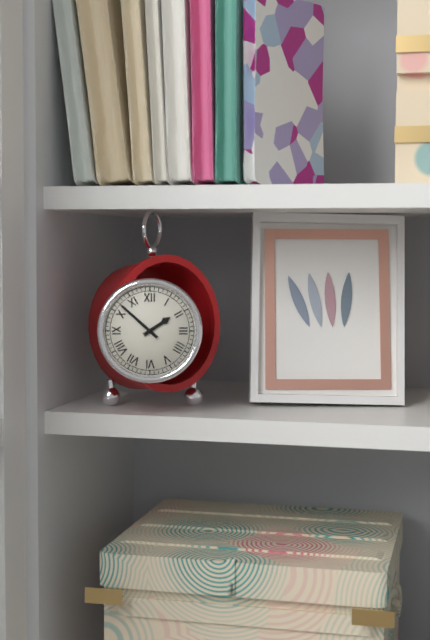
1.52
